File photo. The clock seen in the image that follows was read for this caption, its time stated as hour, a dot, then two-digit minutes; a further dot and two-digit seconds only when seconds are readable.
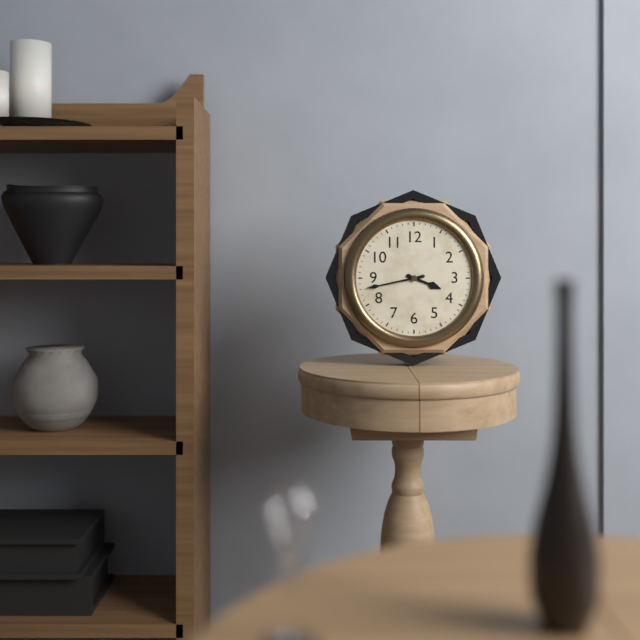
3.43
